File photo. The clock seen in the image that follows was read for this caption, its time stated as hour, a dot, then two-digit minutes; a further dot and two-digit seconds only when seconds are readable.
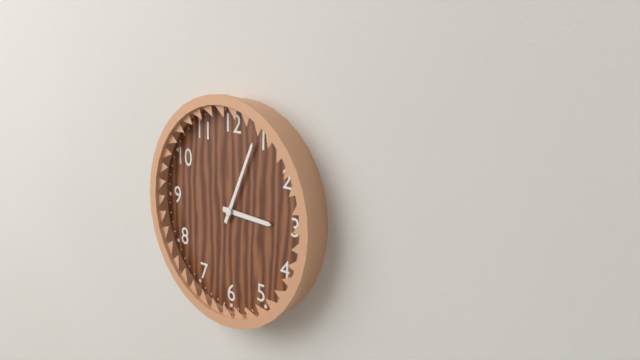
3.04
